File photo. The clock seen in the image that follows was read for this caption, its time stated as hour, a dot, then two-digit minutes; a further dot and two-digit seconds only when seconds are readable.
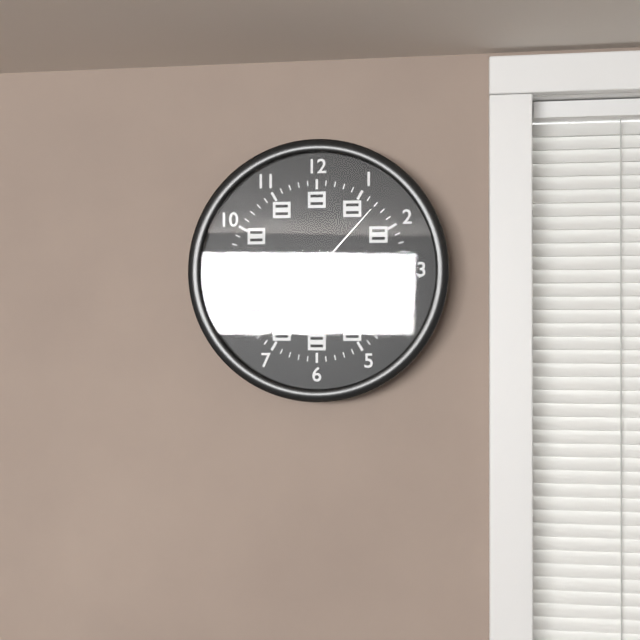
3.45.07
